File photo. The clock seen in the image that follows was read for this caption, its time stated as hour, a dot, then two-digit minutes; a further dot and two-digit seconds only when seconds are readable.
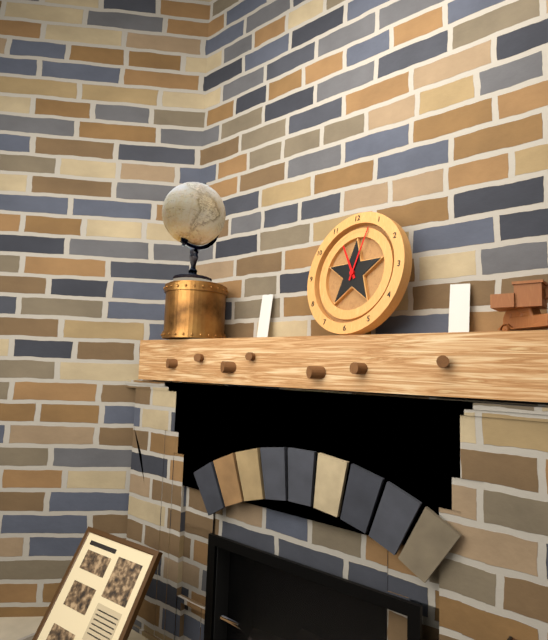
11.03
